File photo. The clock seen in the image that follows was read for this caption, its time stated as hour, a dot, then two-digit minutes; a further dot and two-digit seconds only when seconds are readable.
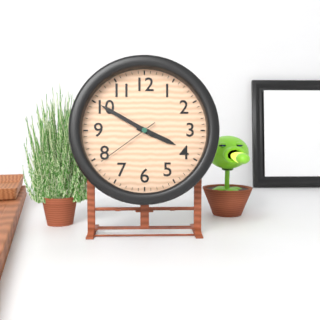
3.50.39
